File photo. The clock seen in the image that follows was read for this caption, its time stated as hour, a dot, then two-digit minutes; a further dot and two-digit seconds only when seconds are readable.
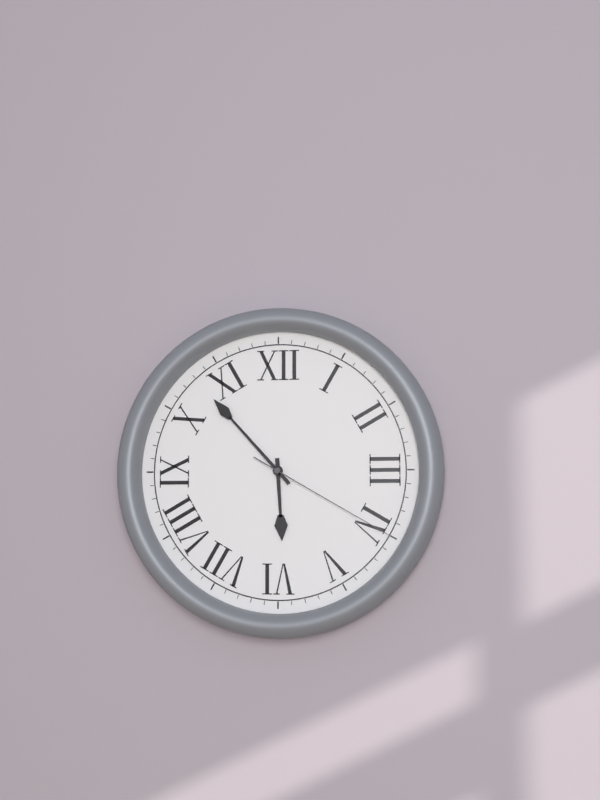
5.53.20
